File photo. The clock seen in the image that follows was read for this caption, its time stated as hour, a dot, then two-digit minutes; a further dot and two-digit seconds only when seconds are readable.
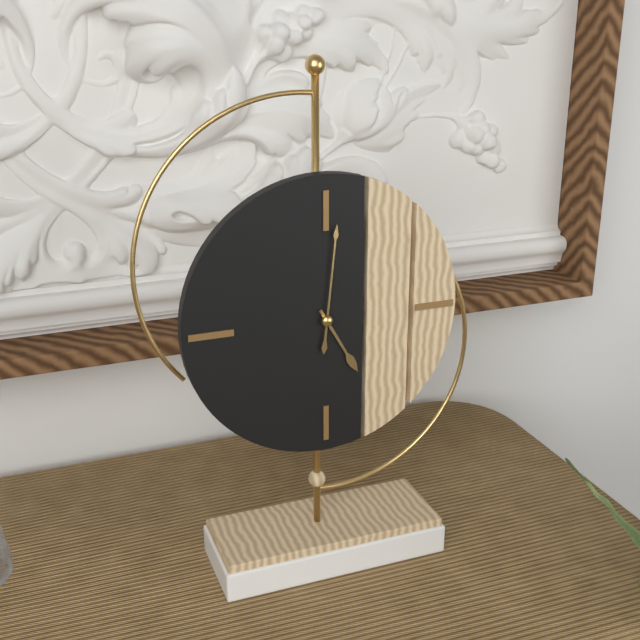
5.01
